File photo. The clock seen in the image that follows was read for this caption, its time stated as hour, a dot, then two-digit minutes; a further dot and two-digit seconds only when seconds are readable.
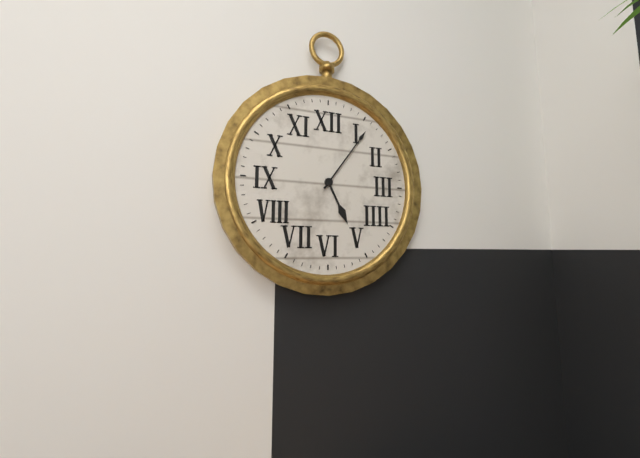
5.06
